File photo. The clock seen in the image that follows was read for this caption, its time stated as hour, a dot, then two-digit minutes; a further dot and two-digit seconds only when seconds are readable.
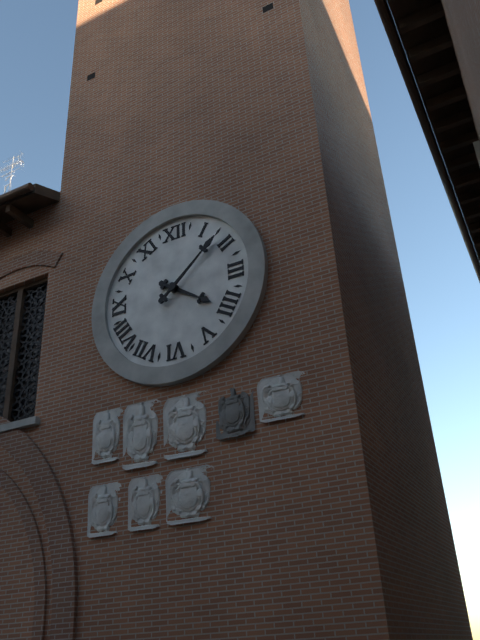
4.08
